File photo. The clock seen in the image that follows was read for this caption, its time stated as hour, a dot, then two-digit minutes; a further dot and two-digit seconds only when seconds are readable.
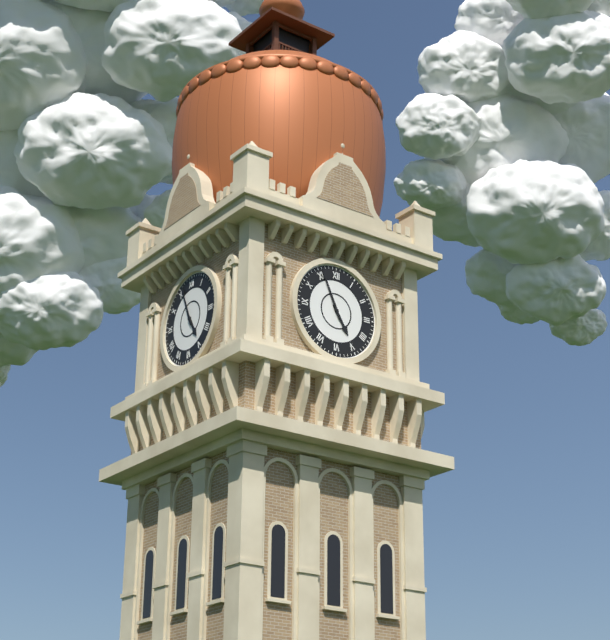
4.56
